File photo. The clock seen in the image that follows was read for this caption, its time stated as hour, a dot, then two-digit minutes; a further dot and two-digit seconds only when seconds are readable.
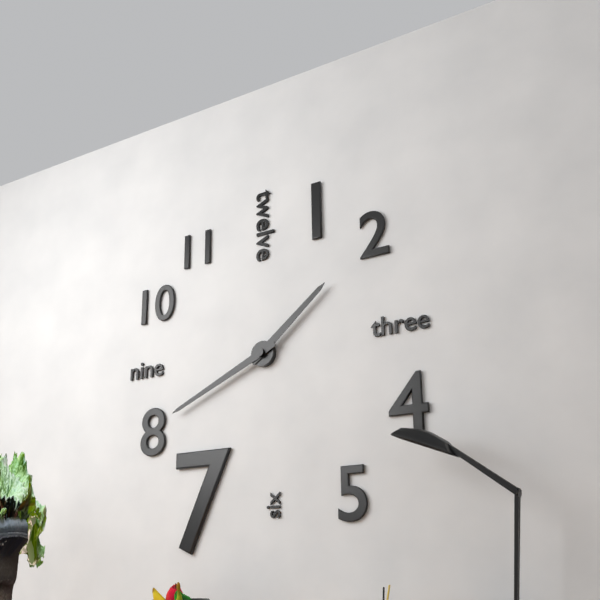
1.41
